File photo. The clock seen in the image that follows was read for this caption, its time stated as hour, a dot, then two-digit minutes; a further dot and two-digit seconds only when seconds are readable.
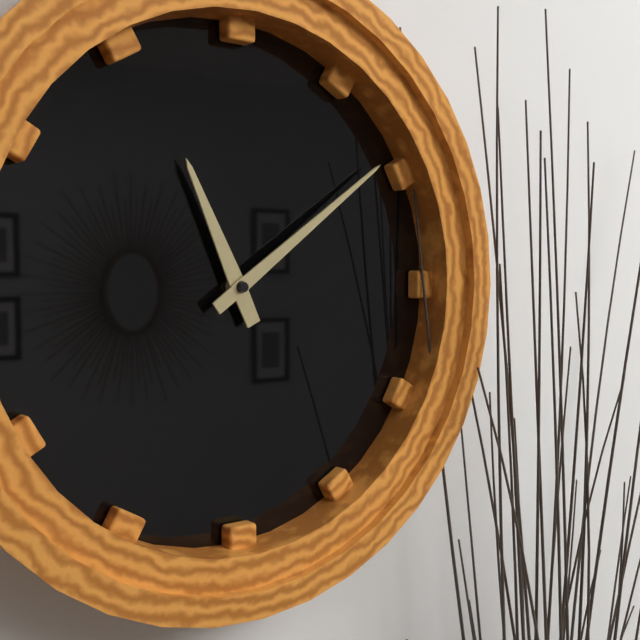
11.09
